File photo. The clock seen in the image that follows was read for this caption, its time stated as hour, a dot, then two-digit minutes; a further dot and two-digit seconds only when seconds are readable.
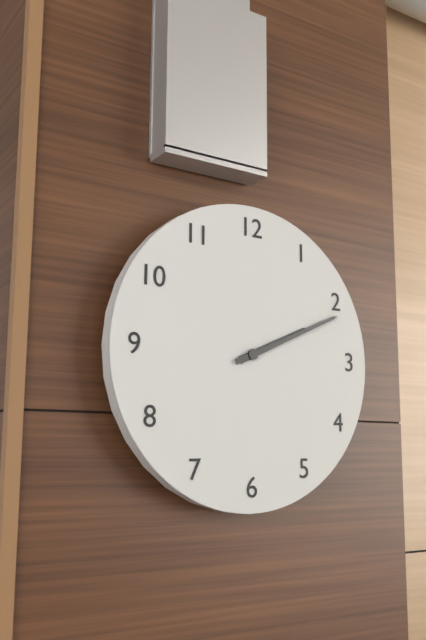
2.11
